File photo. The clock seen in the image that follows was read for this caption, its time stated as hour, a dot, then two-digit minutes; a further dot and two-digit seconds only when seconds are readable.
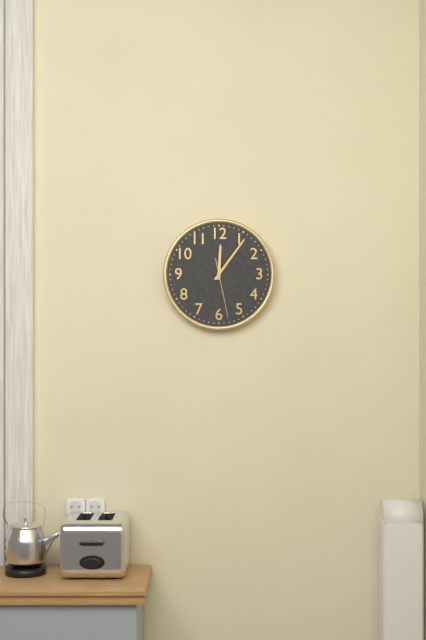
12.06.28
